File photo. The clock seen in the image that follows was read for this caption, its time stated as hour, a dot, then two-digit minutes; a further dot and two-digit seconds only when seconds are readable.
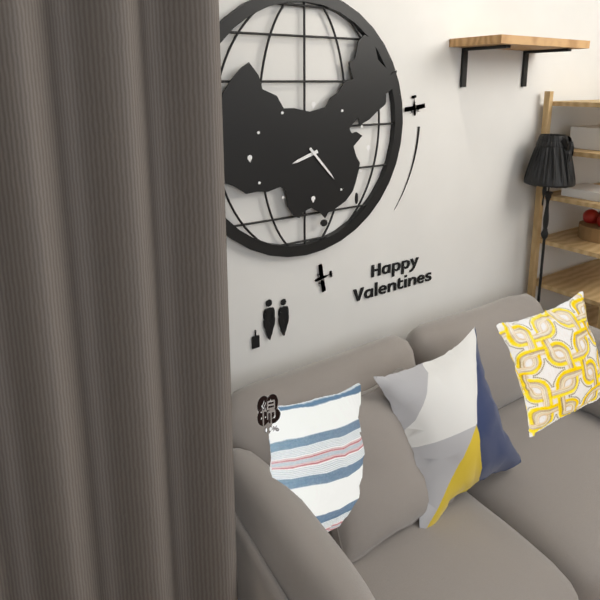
8.23
